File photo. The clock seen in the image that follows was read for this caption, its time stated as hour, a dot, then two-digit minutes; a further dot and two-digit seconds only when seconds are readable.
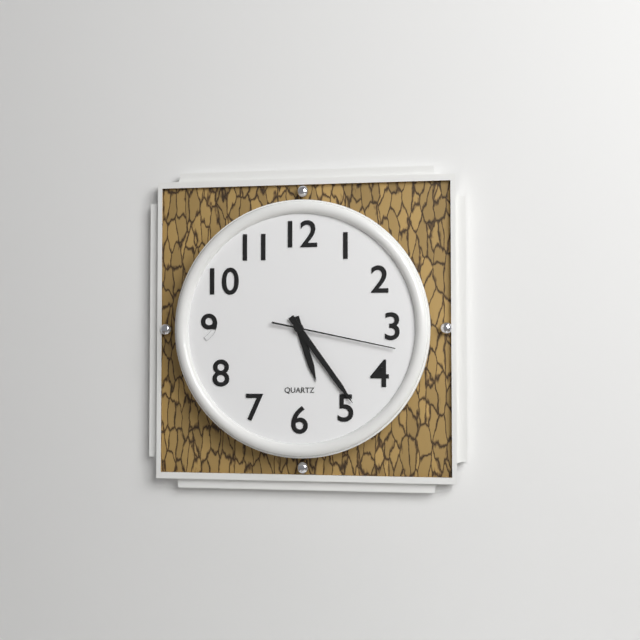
5.24.17
